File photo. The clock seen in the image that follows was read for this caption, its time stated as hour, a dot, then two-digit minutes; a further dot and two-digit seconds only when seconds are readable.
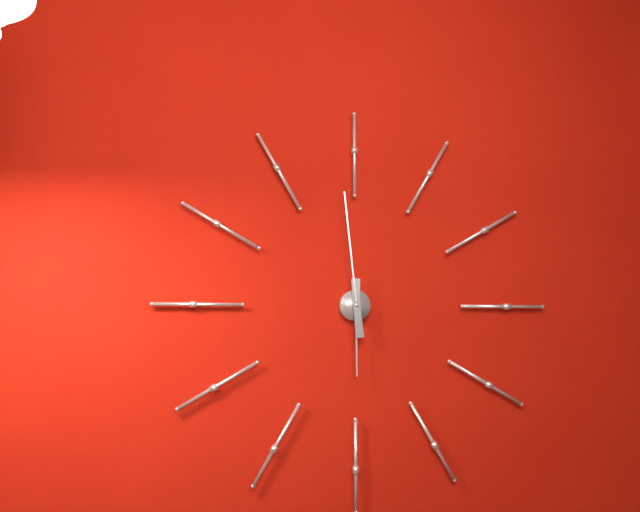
5.59
